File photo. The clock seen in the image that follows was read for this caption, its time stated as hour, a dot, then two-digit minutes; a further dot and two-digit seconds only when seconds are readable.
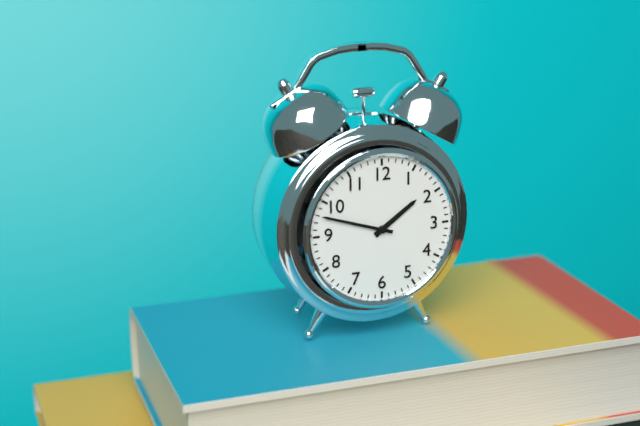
1.48
